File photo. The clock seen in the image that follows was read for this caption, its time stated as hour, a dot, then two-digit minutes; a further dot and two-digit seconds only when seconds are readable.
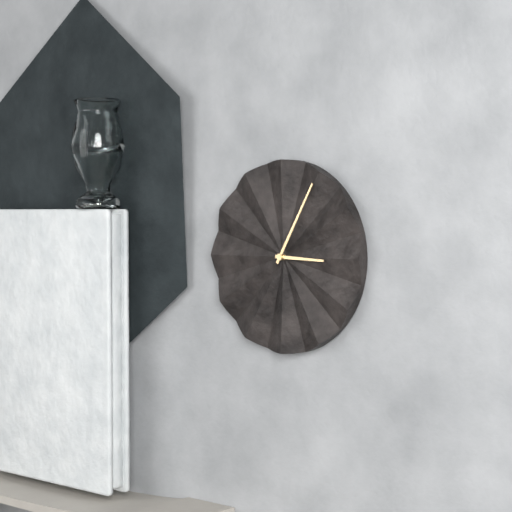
3.05
